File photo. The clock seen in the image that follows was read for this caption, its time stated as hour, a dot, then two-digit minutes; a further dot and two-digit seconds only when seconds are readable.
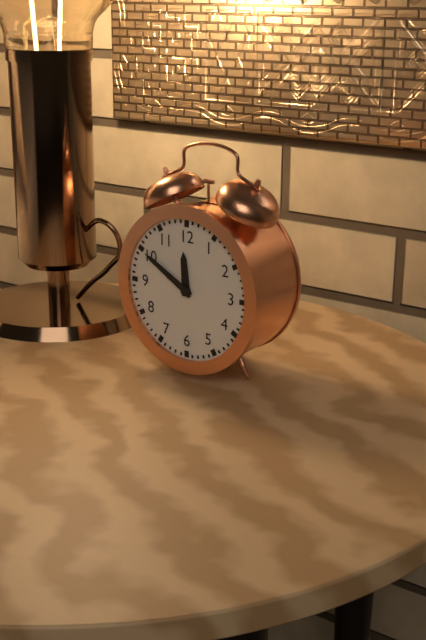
11.50
